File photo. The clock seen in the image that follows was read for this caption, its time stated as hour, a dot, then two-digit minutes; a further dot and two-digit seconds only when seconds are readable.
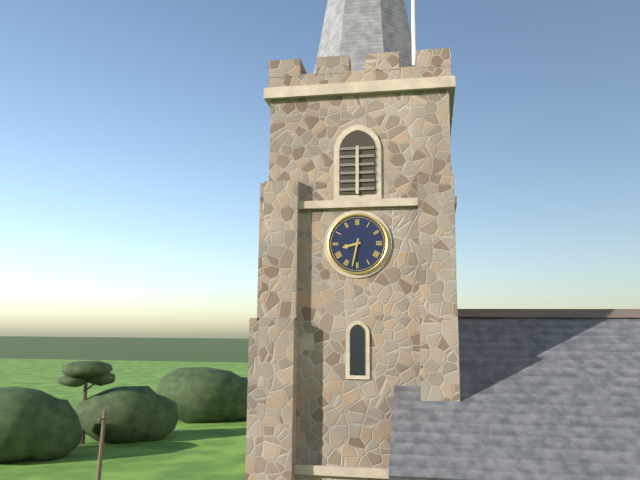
8.32
